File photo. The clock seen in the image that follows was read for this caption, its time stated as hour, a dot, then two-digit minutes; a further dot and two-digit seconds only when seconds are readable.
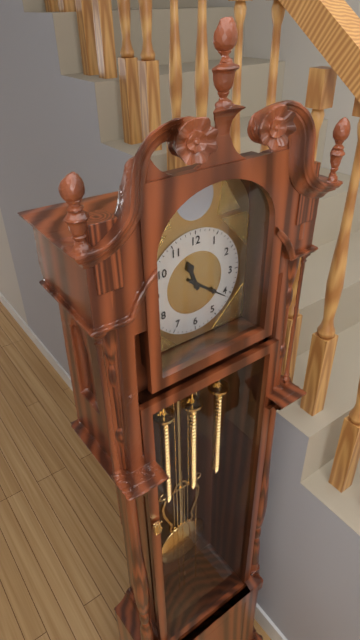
11.21
